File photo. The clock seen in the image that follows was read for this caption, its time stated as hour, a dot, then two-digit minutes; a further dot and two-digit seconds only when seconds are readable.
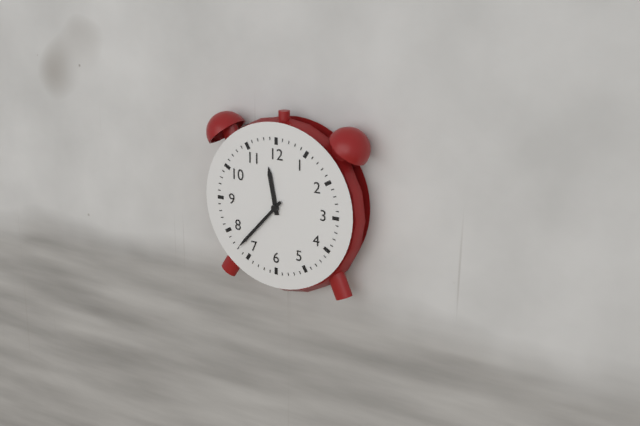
11.37
